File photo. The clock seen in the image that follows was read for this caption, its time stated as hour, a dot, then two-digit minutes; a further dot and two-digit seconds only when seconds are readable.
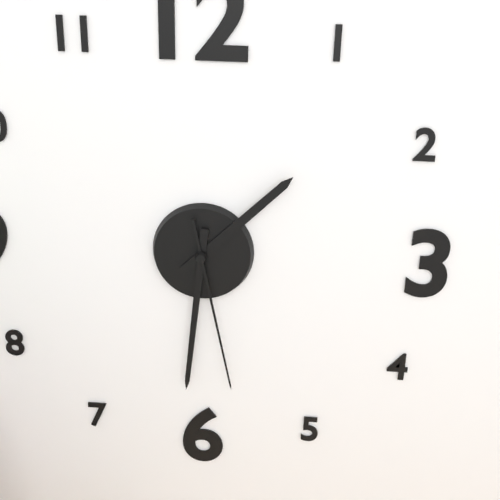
1.31.28
